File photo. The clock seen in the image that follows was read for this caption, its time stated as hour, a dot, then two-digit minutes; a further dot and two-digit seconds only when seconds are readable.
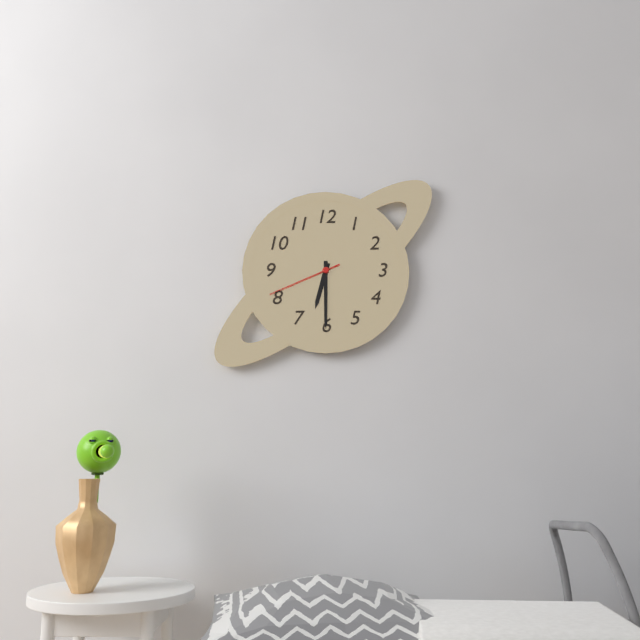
6.30.41
